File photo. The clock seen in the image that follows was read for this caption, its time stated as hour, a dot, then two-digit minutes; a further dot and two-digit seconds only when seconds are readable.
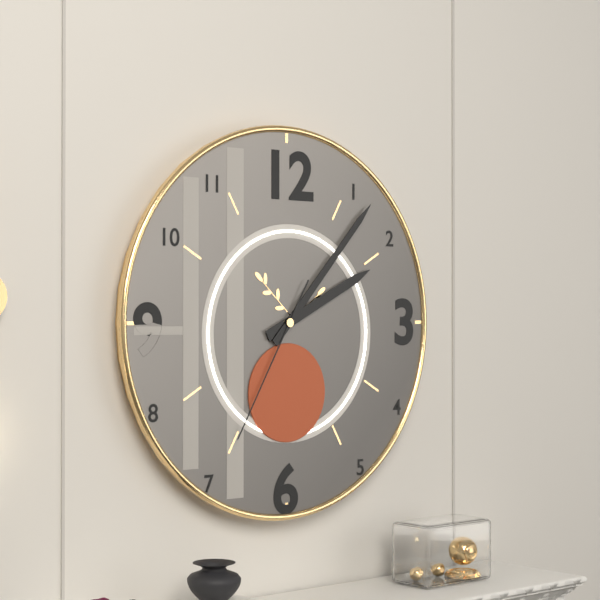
2.07.35
